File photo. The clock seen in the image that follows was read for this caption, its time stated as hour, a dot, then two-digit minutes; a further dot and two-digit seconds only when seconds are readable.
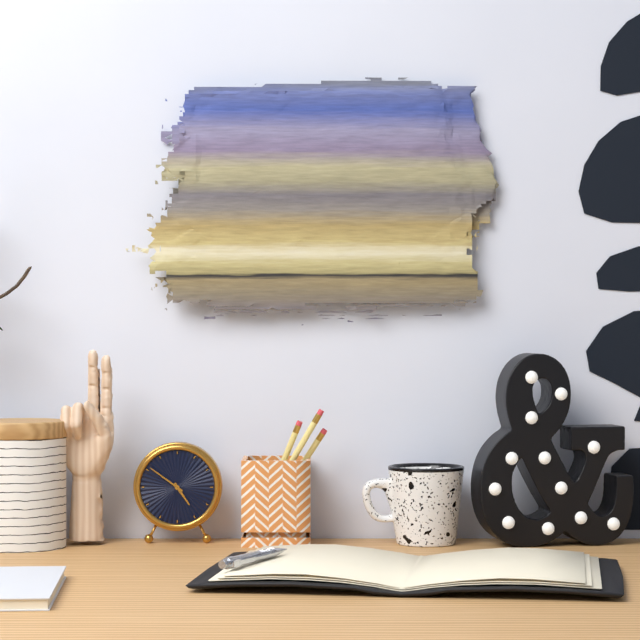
4.51
